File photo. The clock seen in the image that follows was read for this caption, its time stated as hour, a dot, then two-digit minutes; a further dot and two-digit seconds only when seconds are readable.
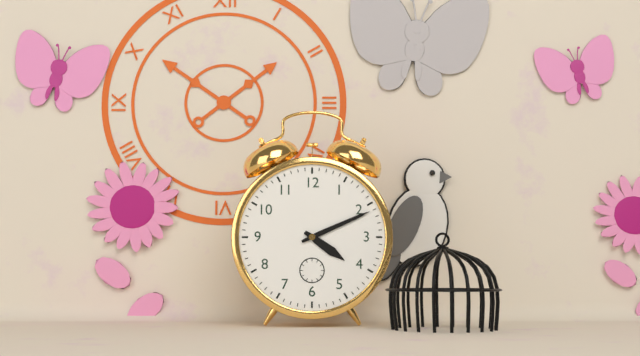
4.11
